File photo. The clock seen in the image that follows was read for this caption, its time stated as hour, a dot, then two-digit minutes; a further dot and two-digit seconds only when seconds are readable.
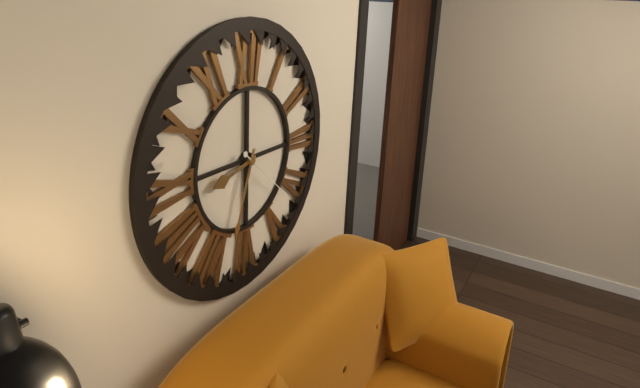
8.33.22
